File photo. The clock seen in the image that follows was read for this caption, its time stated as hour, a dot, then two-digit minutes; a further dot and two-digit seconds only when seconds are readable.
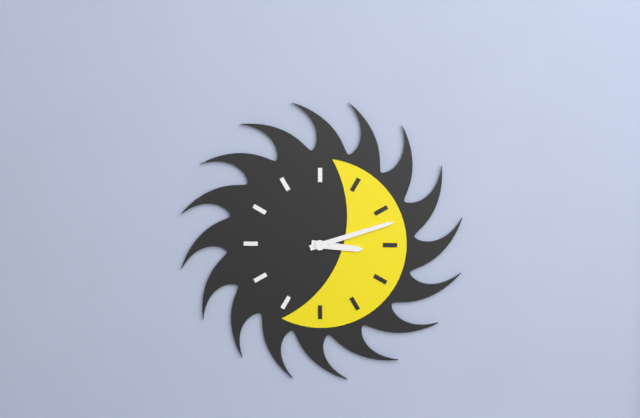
3.12
